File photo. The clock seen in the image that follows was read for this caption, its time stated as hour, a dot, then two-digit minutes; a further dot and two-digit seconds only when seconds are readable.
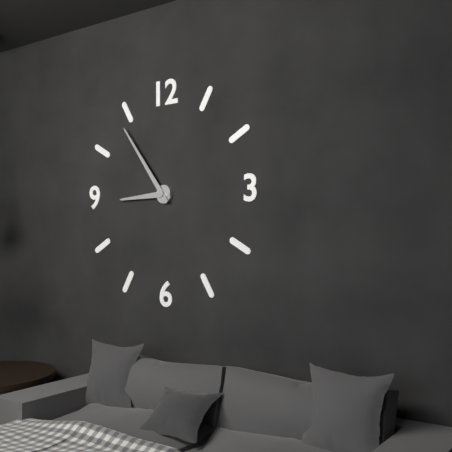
8.54
